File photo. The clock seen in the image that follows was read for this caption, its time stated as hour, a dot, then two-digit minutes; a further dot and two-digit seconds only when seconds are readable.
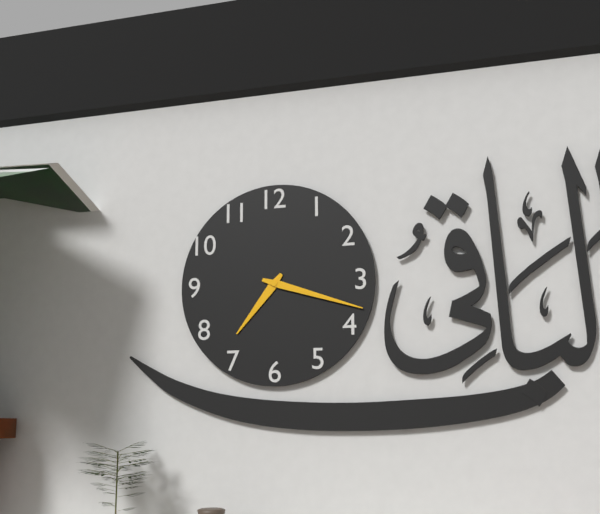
7.18
